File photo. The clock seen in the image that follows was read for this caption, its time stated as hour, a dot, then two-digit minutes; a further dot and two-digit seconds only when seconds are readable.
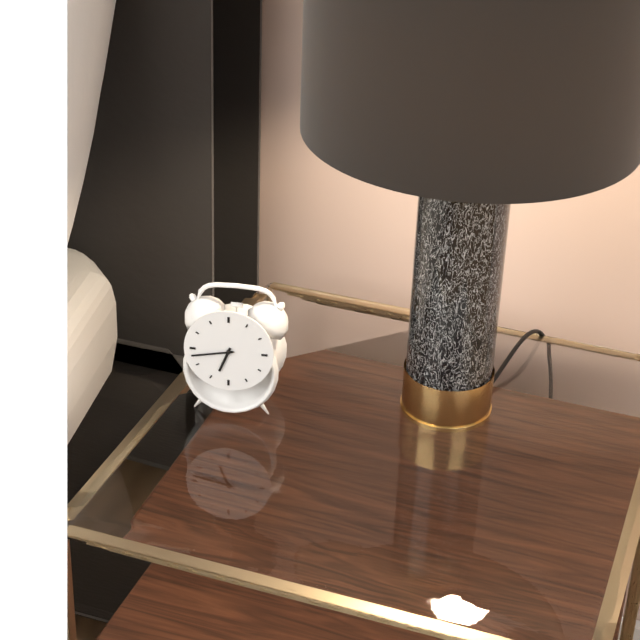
6.43
